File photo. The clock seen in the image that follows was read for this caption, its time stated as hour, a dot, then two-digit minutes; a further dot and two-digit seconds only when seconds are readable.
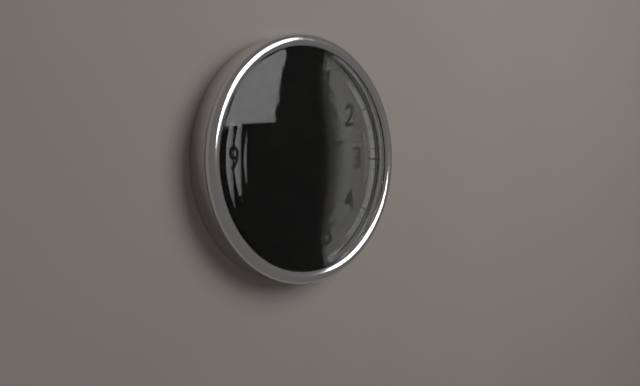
2.31
